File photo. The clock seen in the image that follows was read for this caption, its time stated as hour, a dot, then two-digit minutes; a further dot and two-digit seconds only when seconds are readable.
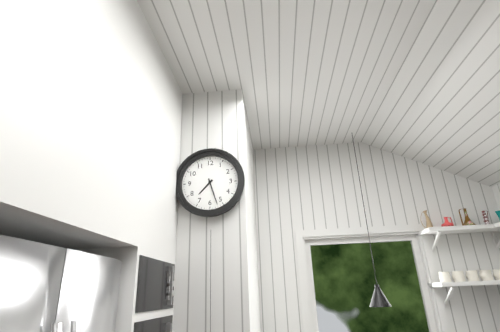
7.27
